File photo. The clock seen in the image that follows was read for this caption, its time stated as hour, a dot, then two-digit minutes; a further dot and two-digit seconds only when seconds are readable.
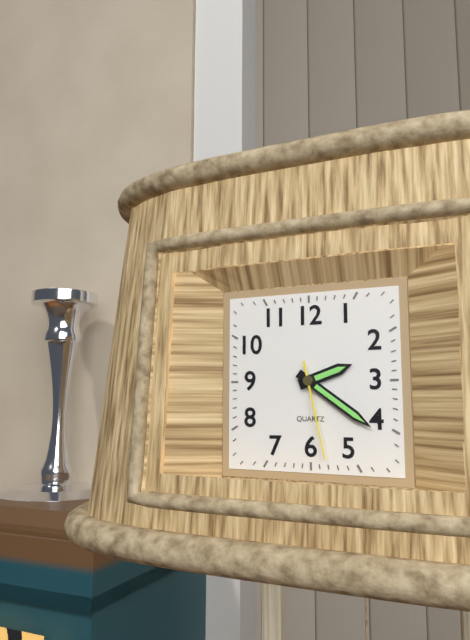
2.21.28
